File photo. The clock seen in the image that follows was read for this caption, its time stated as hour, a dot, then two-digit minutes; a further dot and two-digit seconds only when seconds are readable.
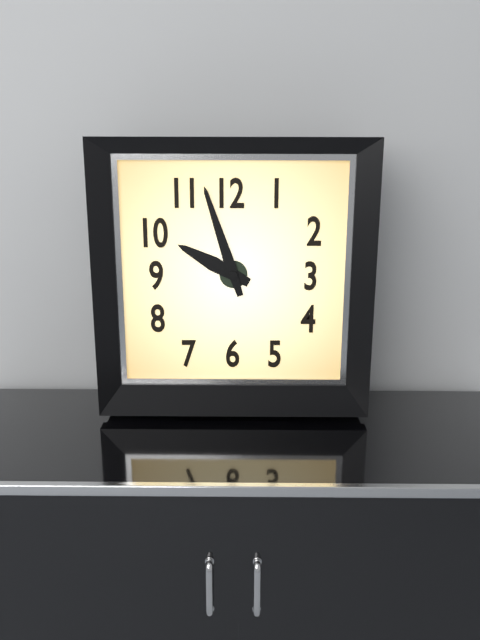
9.57
